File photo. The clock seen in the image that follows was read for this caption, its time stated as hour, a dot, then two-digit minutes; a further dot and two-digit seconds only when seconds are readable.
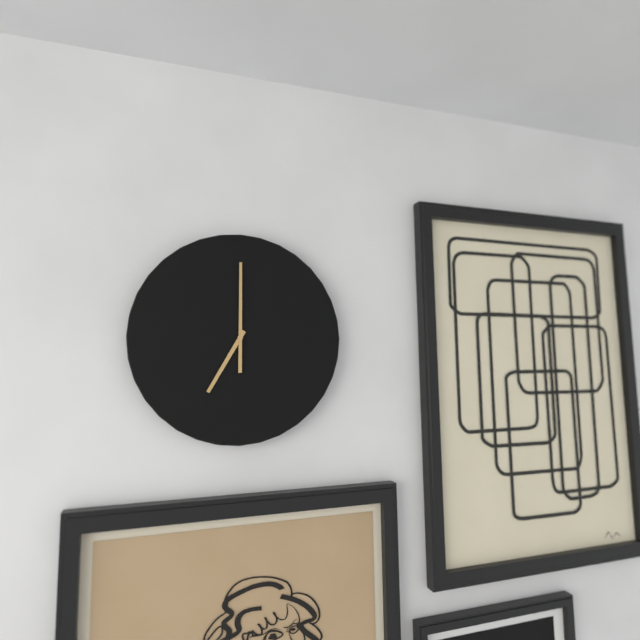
7.00
